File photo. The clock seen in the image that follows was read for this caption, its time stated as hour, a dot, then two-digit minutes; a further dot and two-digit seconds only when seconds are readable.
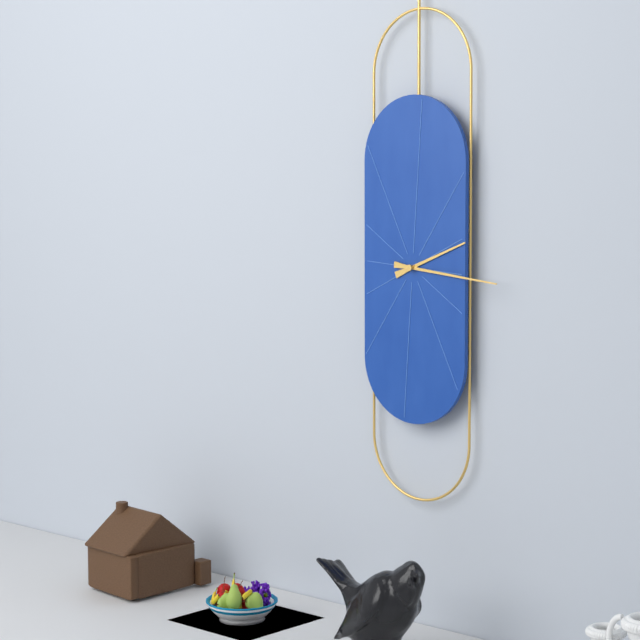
2.16
